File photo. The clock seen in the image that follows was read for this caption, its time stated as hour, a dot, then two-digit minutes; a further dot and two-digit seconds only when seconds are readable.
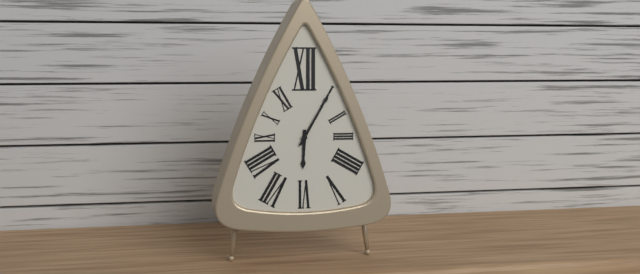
6.05
